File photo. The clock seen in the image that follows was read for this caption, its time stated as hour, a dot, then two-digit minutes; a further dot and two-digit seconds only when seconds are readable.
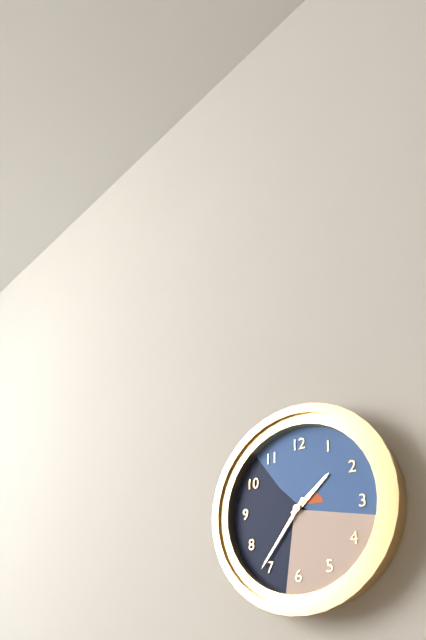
1.36
